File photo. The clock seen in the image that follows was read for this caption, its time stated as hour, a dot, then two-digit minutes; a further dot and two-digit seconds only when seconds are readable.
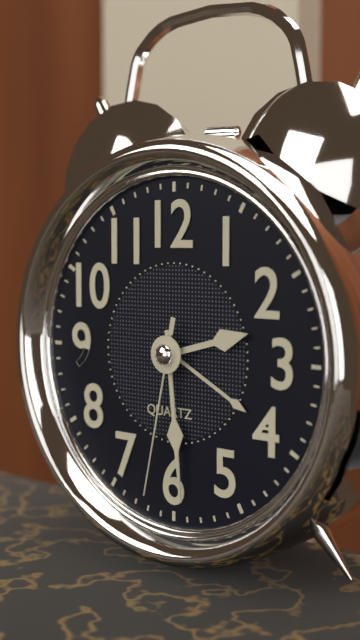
2.29.32
